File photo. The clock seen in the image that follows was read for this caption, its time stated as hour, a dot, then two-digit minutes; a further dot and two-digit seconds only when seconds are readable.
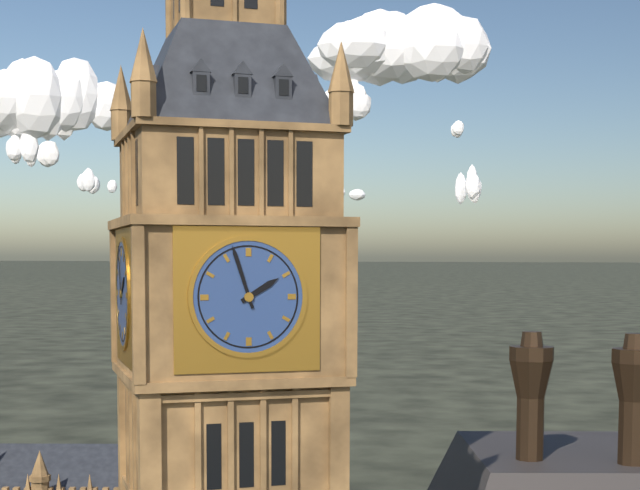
1.57
